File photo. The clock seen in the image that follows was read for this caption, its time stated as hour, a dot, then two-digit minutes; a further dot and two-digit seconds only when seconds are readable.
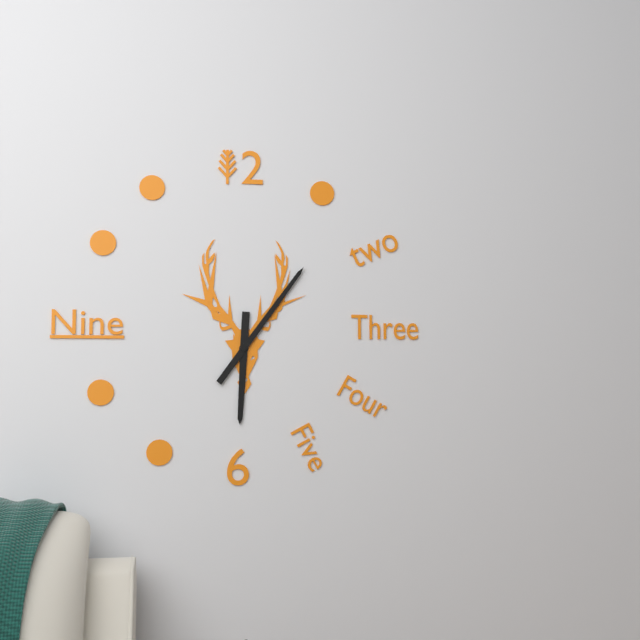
6.06
